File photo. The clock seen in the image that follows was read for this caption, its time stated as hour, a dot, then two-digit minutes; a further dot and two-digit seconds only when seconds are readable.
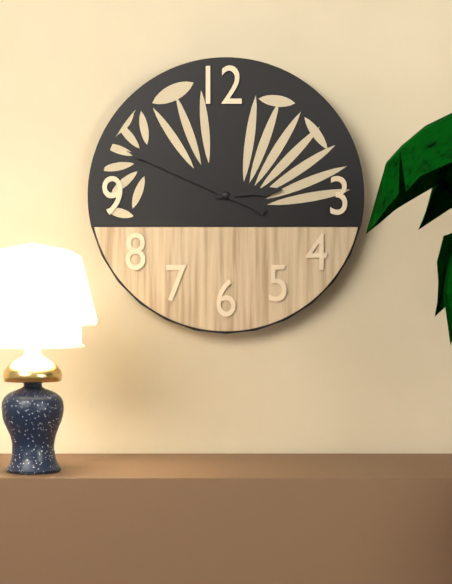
2.49
